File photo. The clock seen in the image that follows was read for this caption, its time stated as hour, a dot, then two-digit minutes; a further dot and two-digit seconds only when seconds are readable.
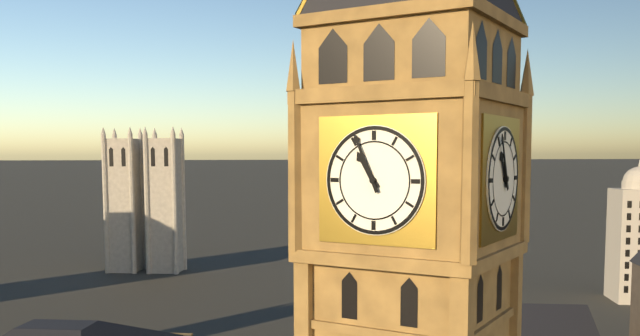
10.56
